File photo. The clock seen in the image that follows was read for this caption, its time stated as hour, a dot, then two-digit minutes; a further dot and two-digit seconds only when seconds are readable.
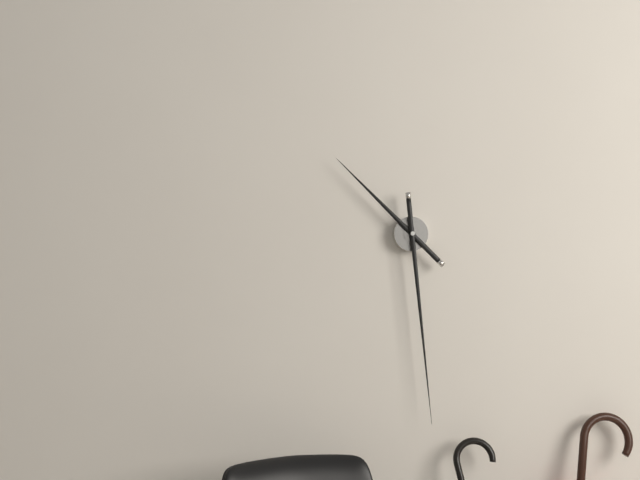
10.29
